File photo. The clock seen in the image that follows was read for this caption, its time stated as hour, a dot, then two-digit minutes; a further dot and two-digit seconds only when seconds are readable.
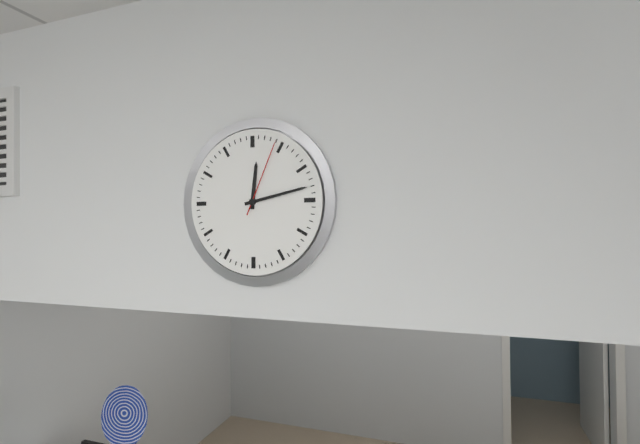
12.13.04
